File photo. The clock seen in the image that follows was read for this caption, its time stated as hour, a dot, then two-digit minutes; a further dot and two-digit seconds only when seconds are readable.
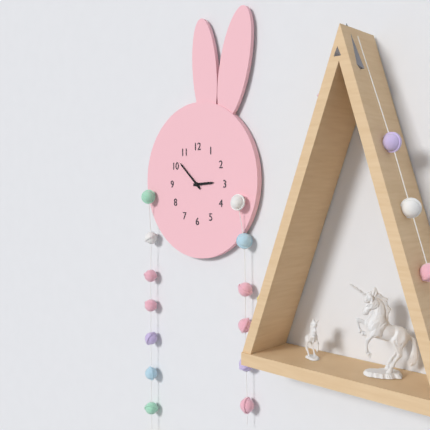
2.52
